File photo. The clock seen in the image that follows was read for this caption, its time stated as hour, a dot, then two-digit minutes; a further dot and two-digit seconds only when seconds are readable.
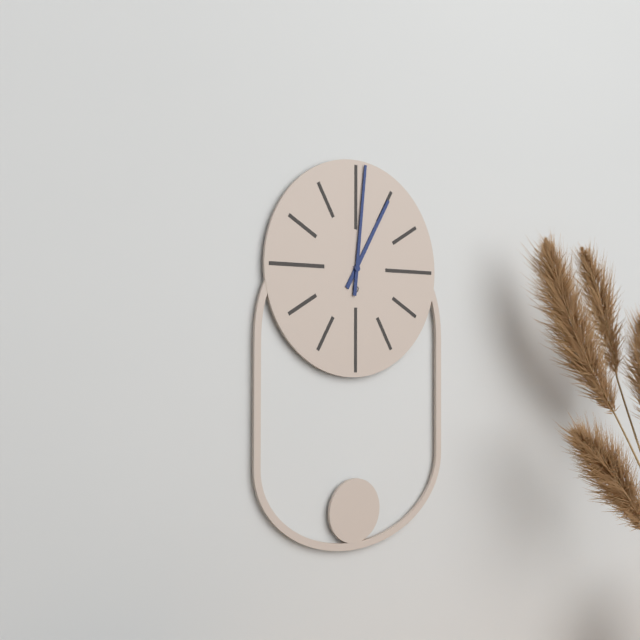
1.01
